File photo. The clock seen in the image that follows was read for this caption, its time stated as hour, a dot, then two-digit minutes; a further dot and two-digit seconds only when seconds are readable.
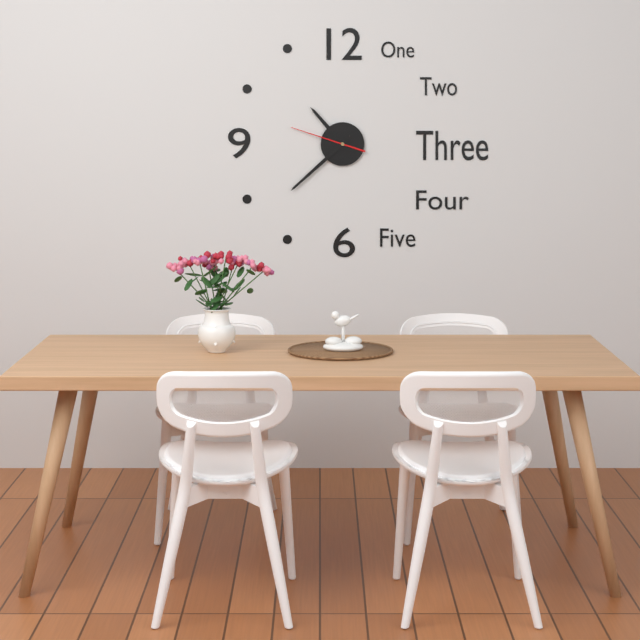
10.38.48
